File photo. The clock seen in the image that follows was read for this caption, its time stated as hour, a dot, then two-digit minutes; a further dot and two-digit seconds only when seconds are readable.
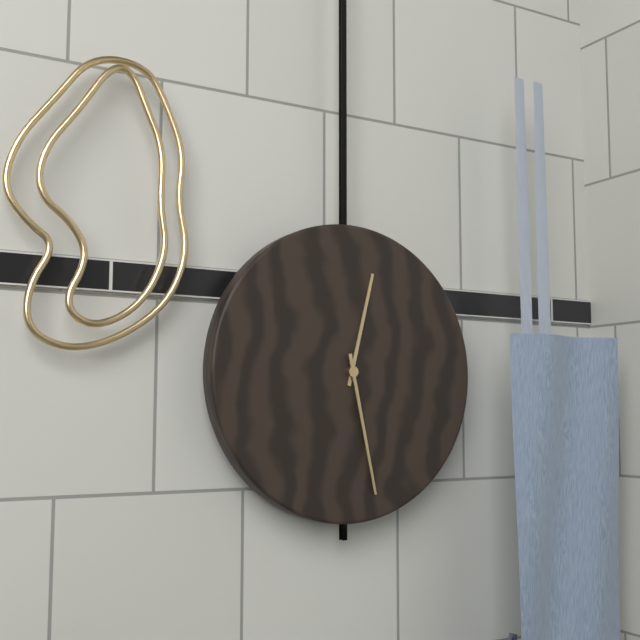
12.28
